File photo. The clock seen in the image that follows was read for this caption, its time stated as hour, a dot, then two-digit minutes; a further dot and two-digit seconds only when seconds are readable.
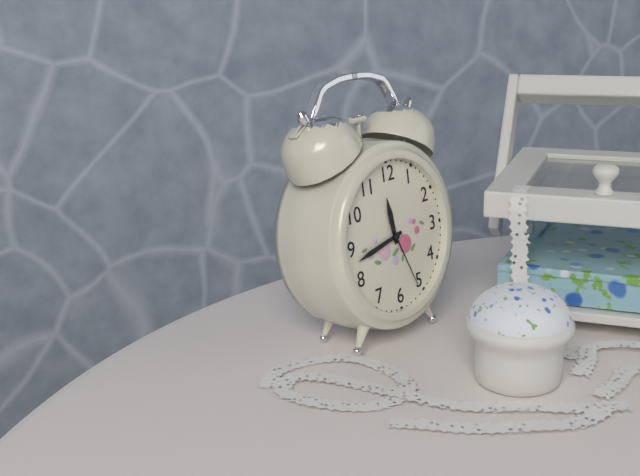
11.43.26
